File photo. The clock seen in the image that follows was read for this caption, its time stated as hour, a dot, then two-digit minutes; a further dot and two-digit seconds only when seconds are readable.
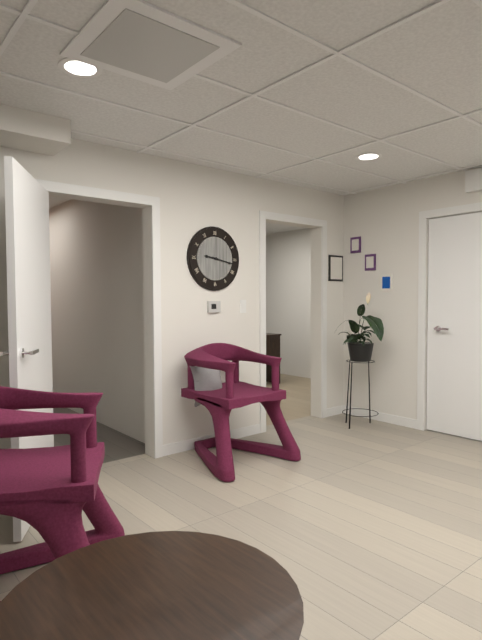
9.17
